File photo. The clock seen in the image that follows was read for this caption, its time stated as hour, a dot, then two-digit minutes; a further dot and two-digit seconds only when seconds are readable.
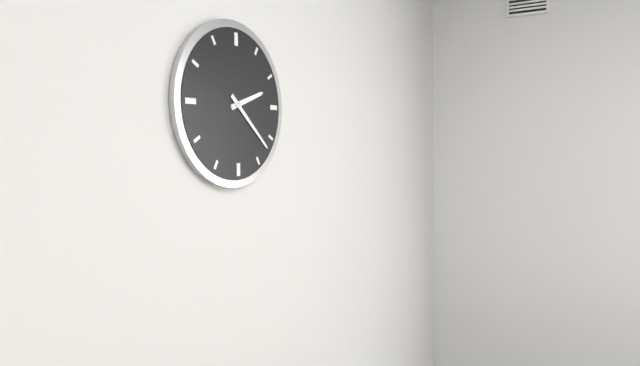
2.22
